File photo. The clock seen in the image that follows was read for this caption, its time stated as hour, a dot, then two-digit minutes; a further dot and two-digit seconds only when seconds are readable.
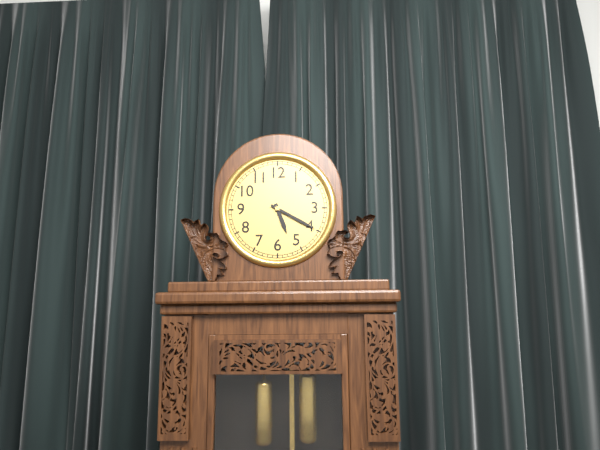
5.20
